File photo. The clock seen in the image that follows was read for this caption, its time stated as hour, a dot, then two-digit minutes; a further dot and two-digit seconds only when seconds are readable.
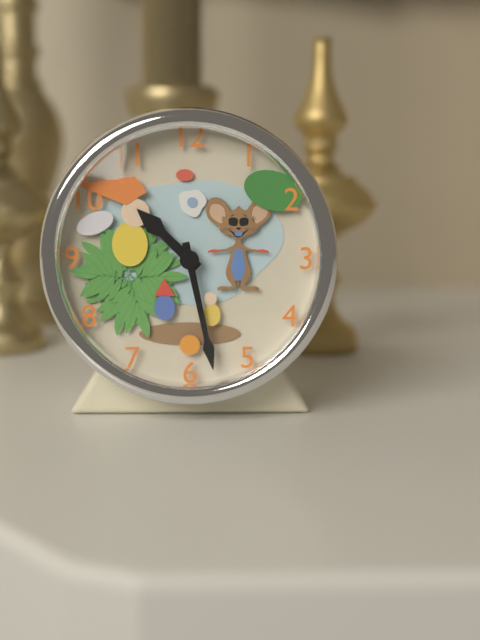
10.28
